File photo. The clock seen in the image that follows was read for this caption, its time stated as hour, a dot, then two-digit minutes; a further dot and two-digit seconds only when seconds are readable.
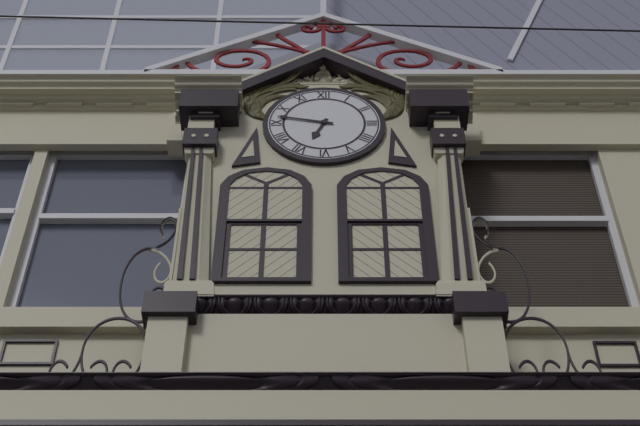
6.47
